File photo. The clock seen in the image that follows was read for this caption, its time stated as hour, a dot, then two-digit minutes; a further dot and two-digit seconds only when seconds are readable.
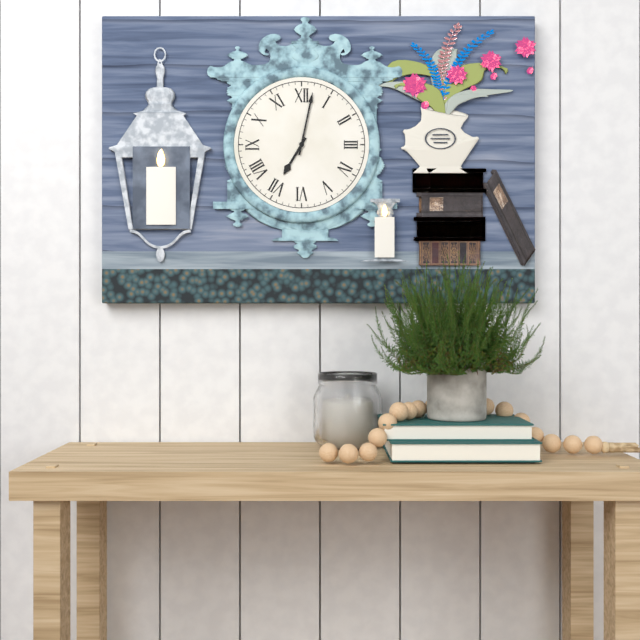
7.02
